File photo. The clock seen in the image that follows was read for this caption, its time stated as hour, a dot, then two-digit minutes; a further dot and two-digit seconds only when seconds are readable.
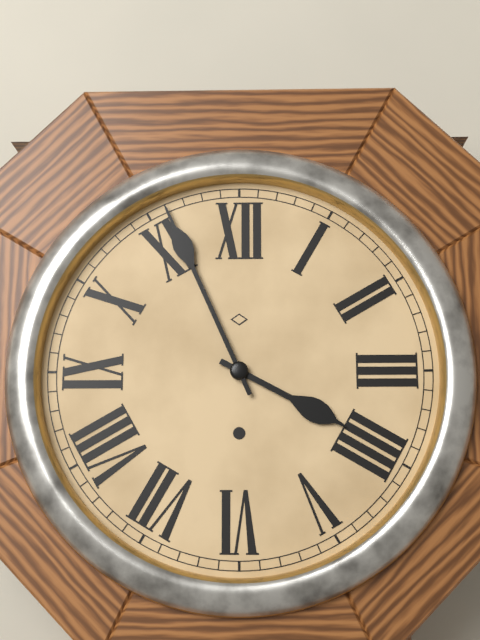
3.56
